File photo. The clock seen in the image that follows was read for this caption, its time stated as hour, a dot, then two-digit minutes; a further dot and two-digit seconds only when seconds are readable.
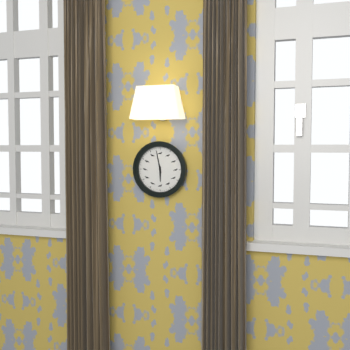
5.58
